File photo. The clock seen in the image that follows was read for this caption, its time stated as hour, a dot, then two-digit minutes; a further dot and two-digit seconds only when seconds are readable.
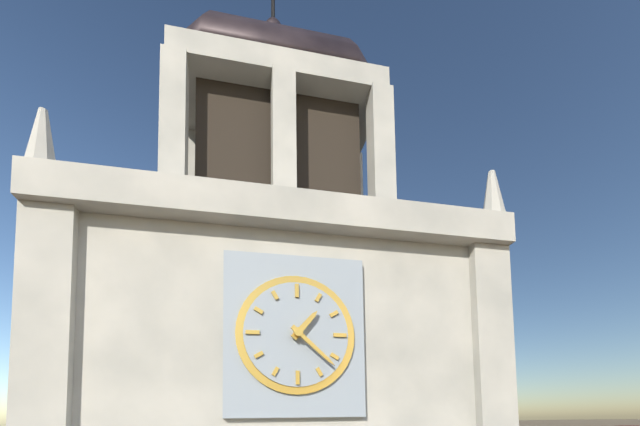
1.22
